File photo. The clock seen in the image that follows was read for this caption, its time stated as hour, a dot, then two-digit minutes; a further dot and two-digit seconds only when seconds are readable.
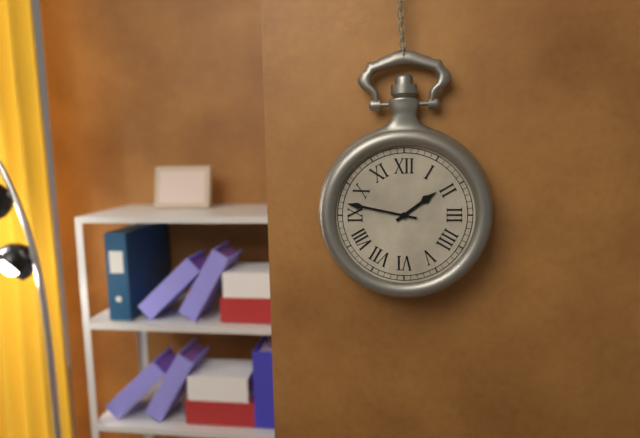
1.47
